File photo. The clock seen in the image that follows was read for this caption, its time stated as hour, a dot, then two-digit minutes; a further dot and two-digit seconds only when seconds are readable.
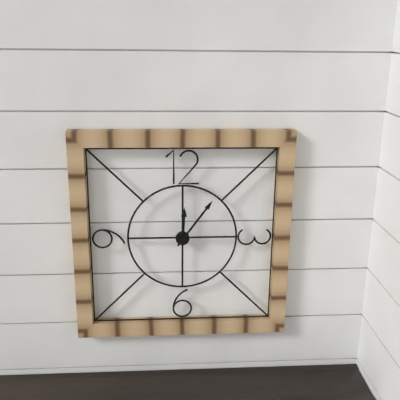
12.06
